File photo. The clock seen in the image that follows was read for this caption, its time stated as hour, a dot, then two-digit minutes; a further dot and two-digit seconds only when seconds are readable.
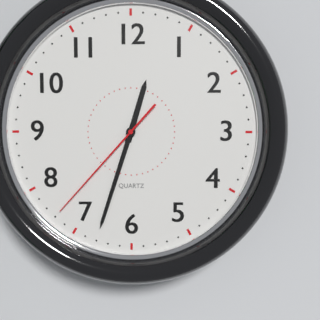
12.33.37
